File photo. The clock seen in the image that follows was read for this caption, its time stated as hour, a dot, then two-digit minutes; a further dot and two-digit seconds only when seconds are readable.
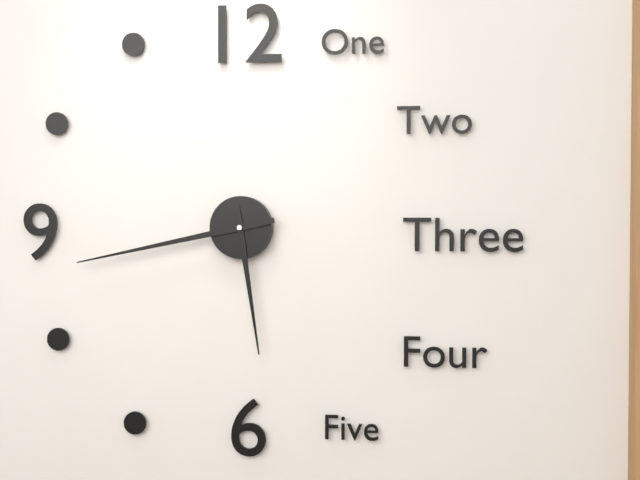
5.43
